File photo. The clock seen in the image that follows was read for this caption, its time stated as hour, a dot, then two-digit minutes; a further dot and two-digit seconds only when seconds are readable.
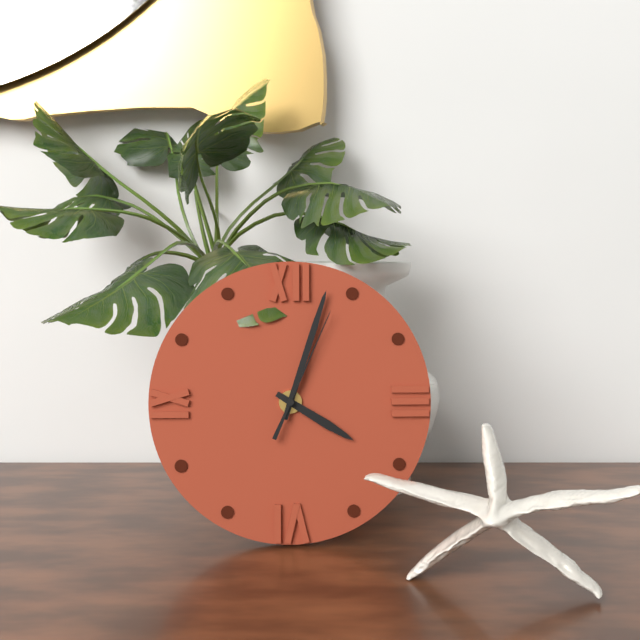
4.03.04
